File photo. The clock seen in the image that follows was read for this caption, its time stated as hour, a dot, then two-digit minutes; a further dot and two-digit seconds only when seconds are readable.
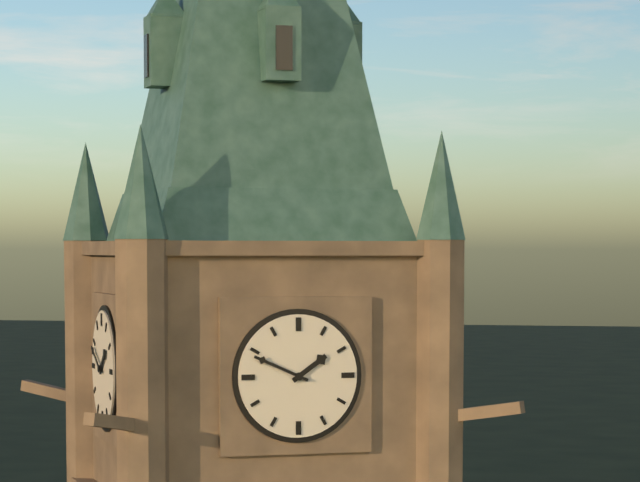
1.49
